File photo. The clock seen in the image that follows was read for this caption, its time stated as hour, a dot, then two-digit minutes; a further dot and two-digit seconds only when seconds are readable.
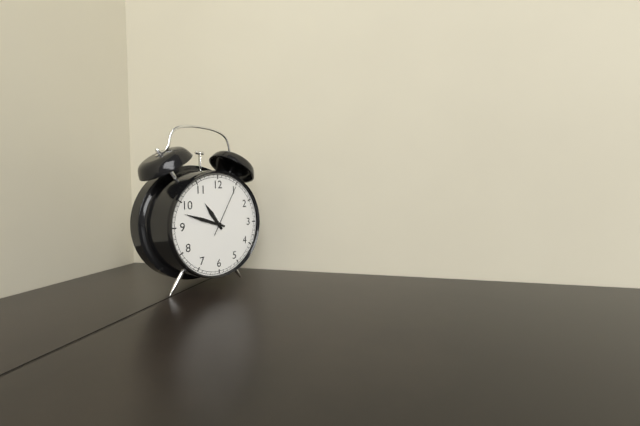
10.48.05
